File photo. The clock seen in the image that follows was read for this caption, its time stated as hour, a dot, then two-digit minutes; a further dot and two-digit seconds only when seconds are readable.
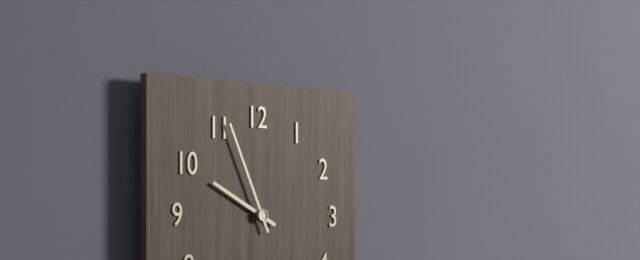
9.56
